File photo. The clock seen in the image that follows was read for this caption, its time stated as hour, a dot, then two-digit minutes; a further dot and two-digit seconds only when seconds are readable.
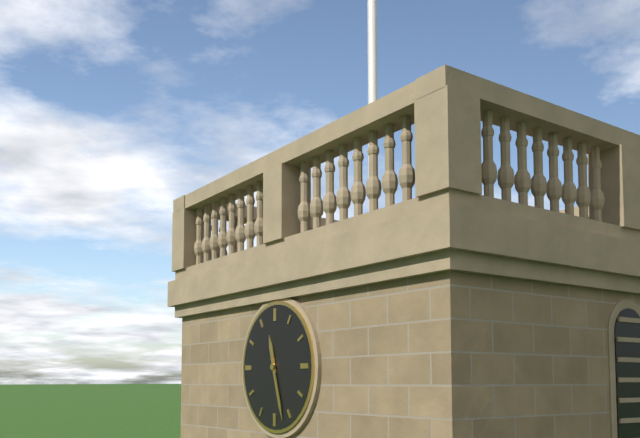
11.27
